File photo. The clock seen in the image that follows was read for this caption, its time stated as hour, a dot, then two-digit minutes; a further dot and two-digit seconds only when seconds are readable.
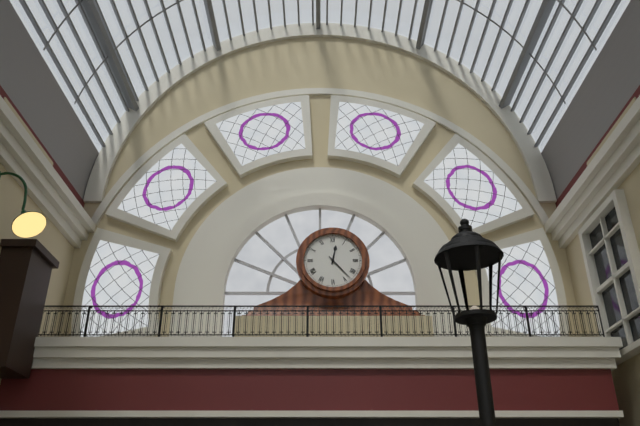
12.23
